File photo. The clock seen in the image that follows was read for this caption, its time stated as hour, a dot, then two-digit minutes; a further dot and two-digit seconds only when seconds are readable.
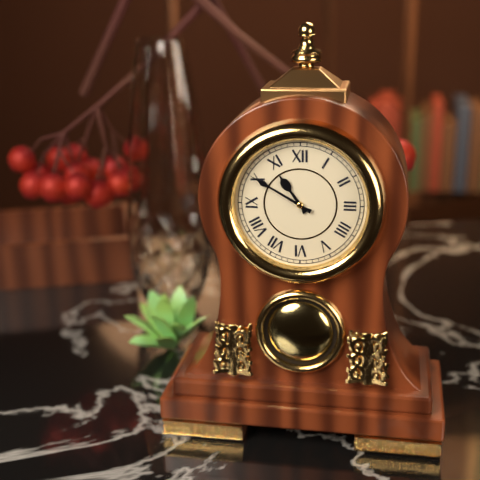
10.50
